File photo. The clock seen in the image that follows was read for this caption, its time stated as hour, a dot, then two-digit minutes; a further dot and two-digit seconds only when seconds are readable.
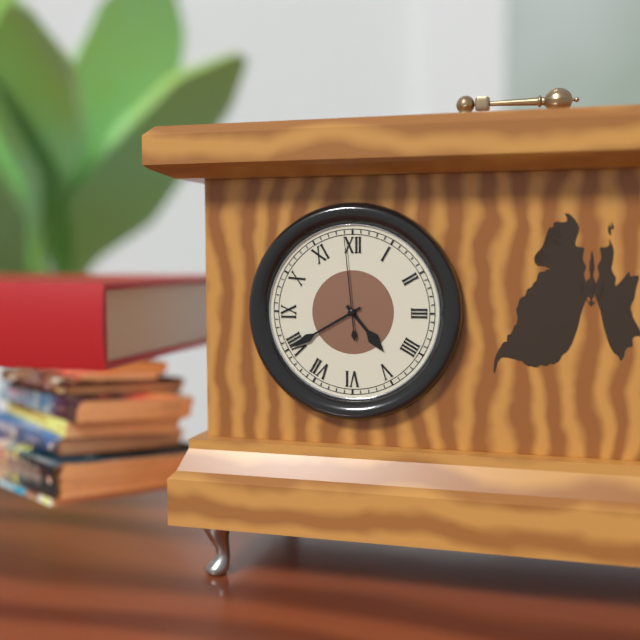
4.40.59
